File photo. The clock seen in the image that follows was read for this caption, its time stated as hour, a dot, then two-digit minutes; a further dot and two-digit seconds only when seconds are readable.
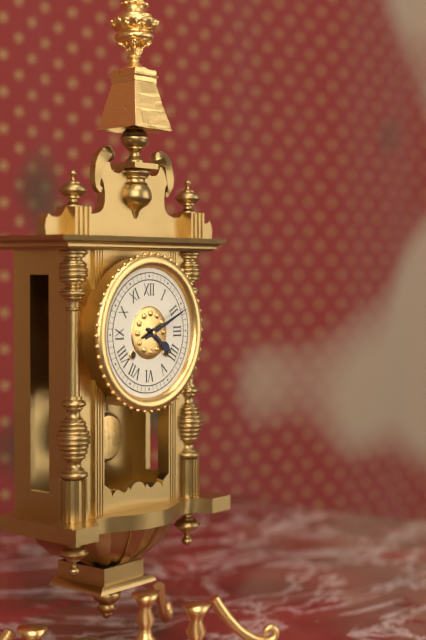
4.11
